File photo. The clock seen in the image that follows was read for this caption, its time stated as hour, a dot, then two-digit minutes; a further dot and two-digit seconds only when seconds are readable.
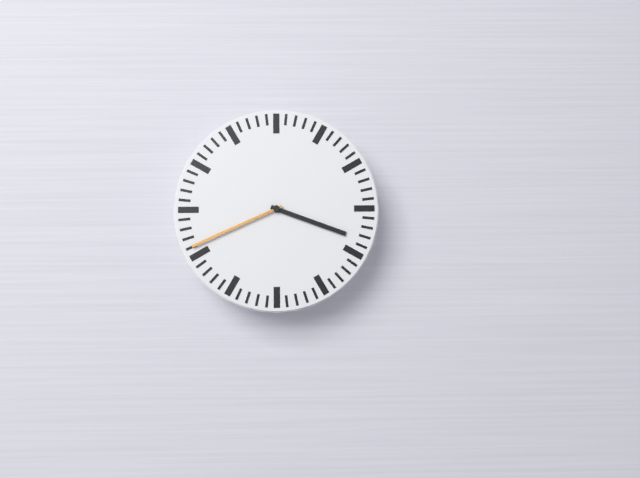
3.41
